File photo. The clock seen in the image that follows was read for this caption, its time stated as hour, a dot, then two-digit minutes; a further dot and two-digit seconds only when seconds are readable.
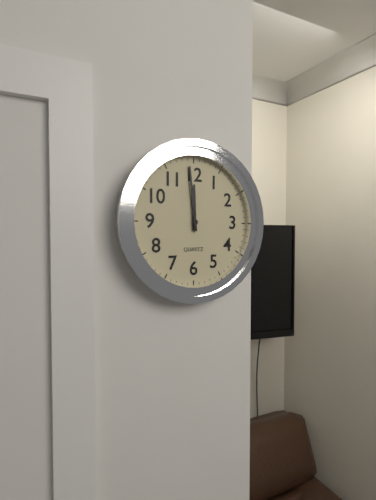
11.59
